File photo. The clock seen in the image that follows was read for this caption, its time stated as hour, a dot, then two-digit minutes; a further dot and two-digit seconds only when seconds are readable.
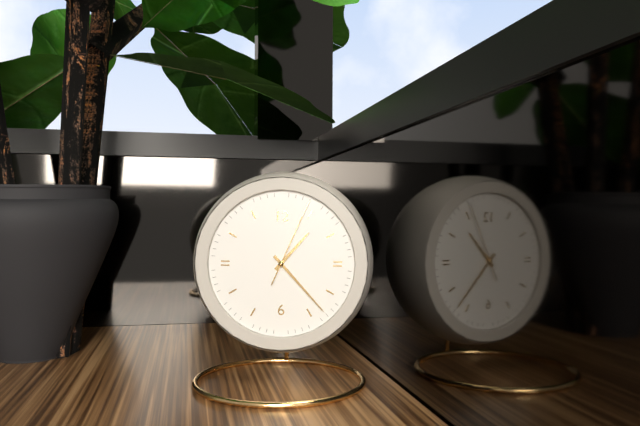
1.23.04
